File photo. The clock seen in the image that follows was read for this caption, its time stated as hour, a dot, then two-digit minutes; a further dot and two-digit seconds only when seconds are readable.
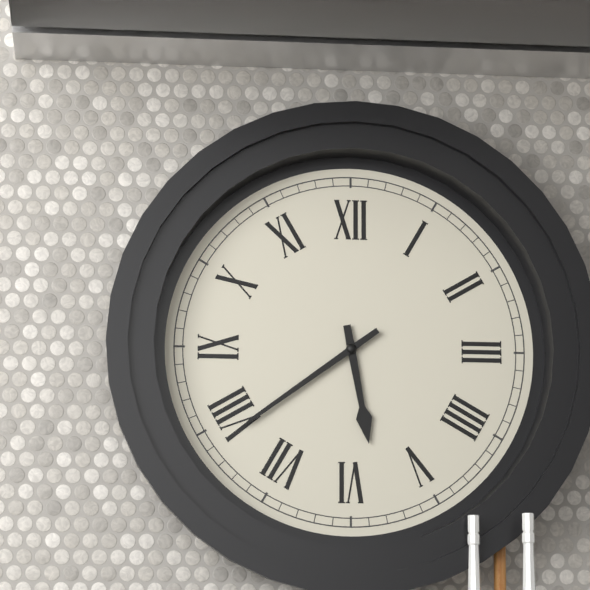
5.39
